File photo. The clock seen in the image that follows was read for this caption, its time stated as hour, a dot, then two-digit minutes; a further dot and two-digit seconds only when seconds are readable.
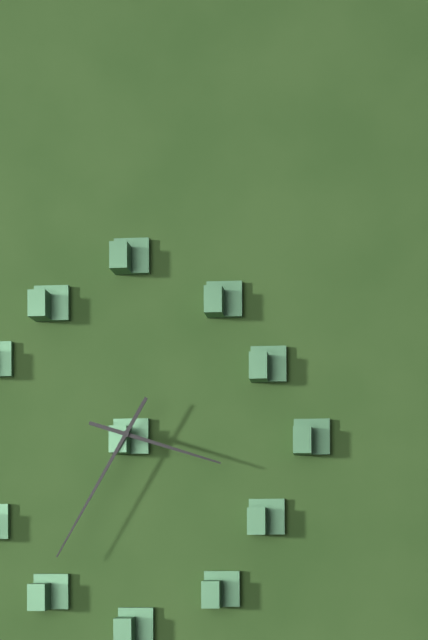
3.35
